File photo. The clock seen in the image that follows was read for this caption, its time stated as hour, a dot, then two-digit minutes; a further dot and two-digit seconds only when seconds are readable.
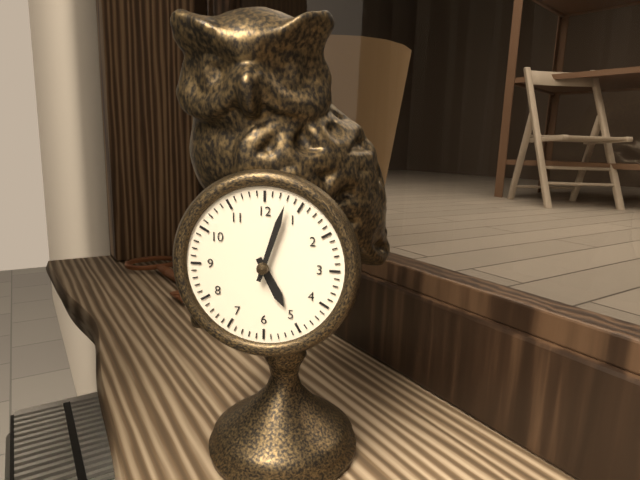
5.03
